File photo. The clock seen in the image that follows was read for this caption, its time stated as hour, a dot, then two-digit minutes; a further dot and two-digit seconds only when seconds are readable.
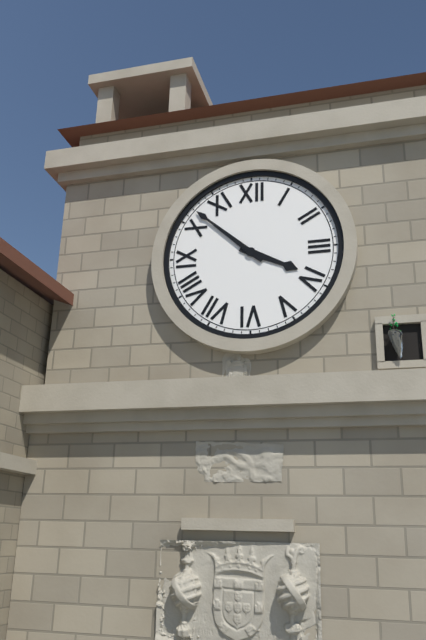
3.52
